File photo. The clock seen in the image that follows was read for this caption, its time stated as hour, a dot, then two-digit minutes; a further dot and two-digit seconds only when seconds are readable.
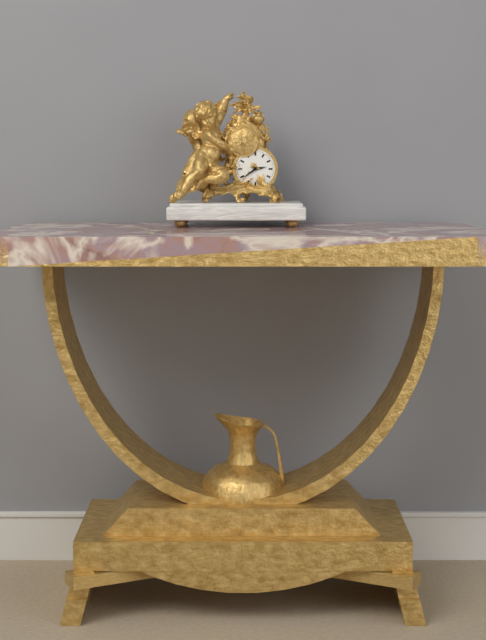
2.39
